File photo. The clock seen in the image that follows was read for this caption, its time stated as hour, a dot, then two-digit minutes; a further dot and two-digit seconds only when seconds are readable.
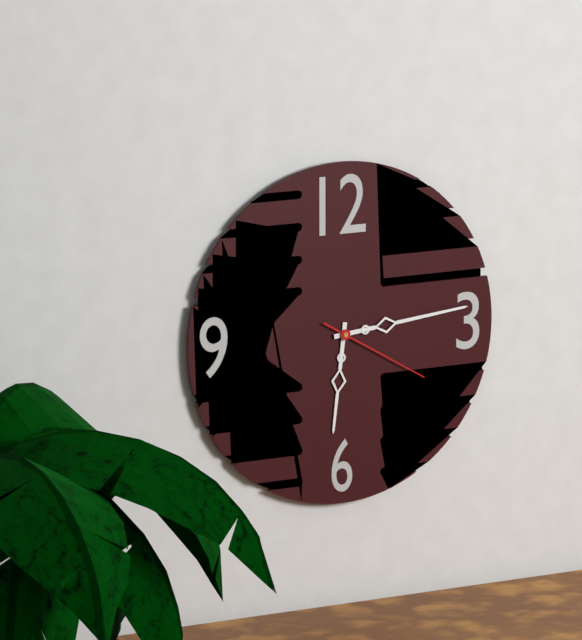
6.14.20
